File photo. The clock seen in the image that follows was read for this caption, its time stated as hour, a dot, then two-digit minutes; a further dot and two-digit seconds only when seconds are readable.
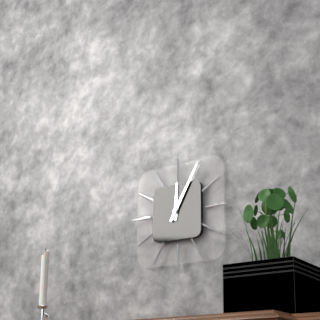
12.05
